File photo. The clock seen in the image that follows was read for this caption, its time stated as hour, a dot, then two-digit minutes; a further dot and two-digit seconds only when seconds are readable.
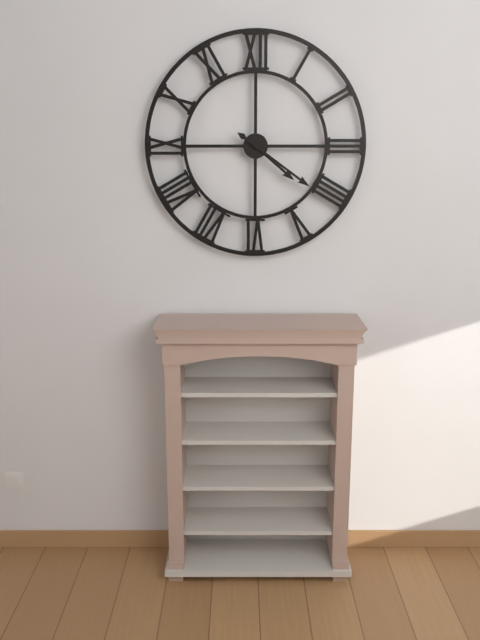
4.21
